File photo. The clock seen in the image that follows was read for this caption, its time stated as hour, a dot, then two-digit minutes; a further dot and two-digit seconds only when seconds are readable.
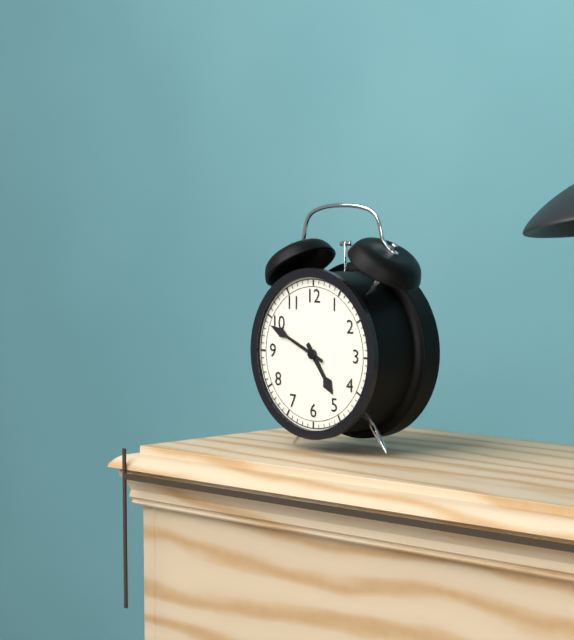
4.49
